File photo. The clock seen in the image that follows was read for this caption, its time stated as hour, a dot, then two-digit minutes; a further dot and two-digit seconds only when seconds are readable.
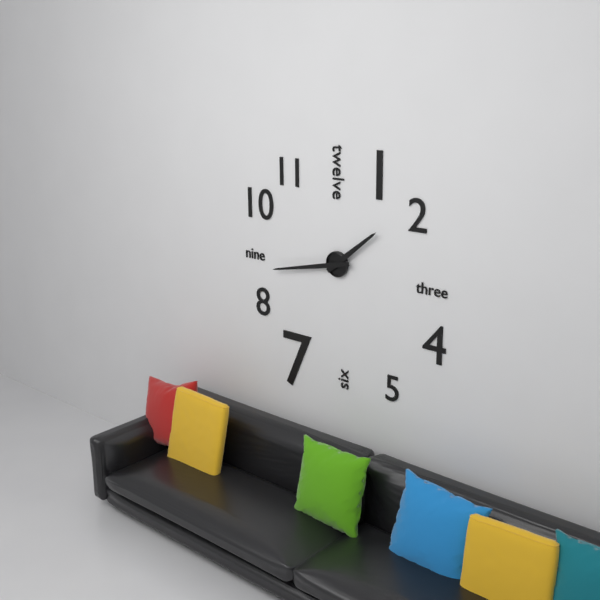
1.43
